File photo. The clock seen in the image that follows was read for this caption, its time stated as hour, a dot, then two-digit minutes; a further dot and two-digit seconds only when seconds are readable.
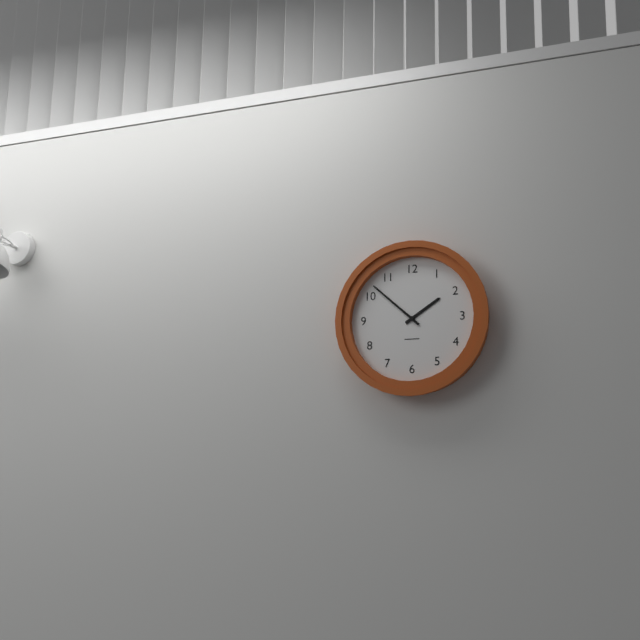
1.52
